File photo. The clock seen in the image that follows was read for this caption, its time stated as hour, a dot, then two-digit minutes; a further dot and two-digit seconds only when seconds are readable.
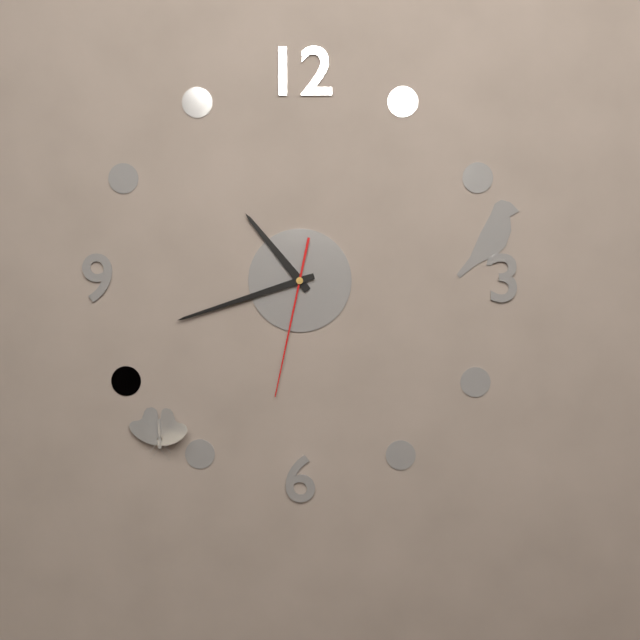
10.42.32
